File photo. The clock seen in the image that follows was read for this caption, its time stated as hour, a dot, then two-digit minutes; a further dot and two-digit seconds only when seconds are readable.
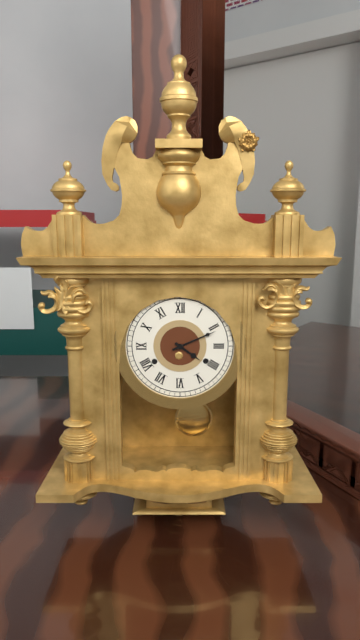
4.11
